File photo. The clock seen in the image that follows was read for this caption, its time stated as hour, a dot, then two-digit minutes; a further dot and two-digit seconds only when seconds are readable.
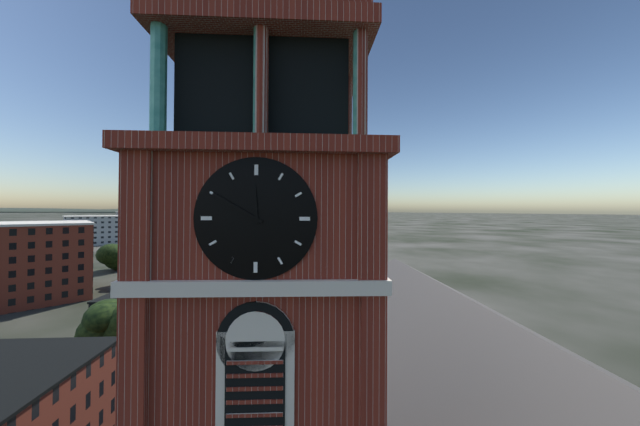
11.50
